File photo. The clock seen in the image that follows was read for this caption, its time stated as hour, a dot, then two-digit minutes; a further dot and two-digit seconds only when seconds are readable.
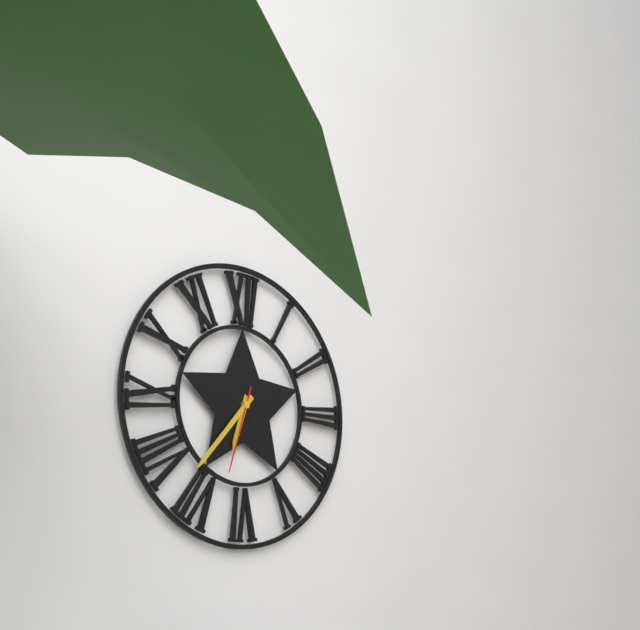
6.37.33
